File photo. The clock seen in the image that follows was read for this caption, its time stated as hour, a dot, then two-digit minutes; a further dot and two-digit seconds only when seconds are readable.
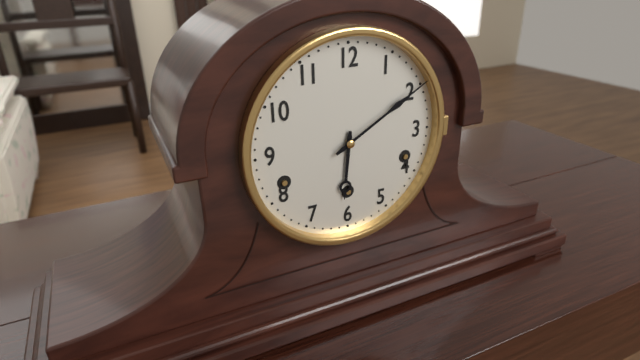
6.10
